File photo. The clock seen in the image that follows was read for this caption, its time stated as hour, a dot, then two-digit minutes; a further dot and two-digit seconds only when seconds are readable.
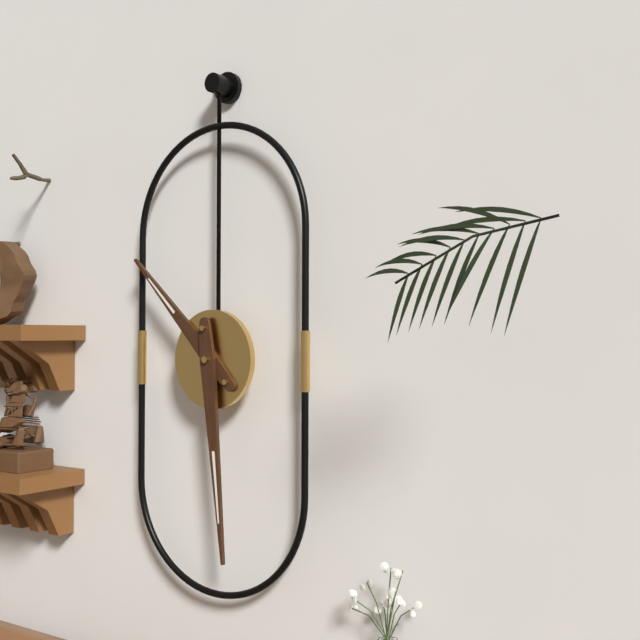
10.29
